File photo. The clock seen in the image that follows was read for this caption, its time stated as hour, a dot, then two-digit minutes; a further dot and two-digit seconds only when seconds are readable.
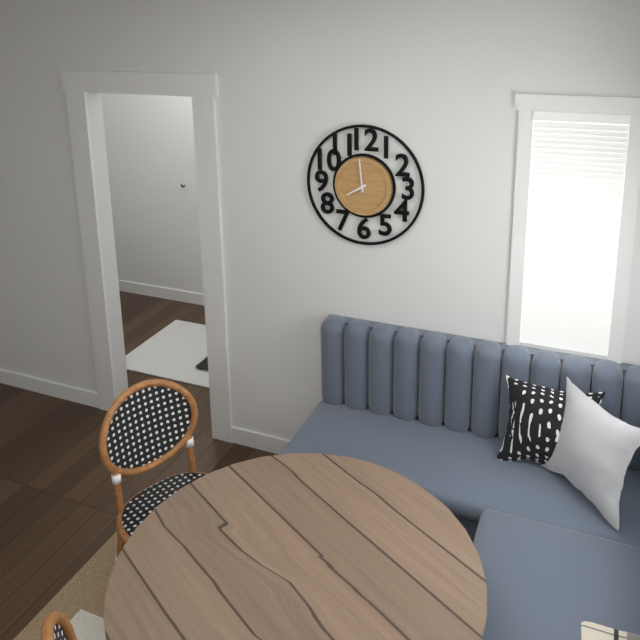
7.59
